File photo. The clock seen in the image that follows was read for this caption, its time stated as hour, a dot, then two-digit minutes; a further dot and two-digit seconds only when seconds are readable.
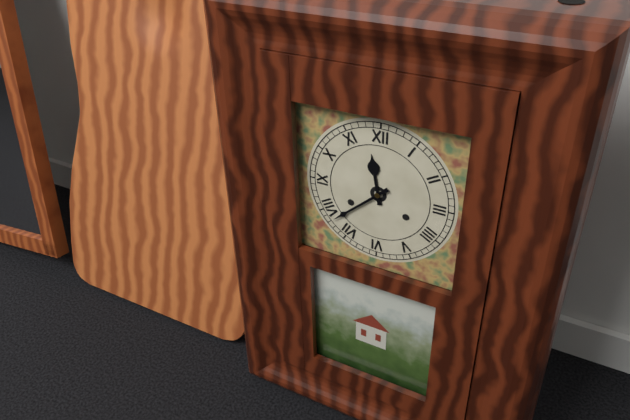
11.38
